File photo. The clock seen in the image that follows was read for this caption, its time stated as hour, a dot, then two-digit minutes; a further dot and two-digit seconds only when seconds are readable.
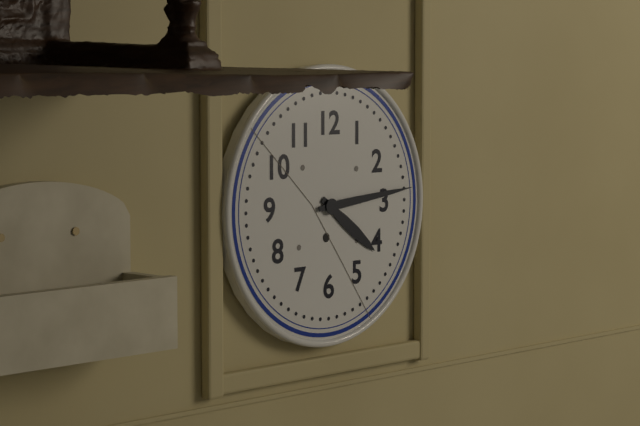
4.14
